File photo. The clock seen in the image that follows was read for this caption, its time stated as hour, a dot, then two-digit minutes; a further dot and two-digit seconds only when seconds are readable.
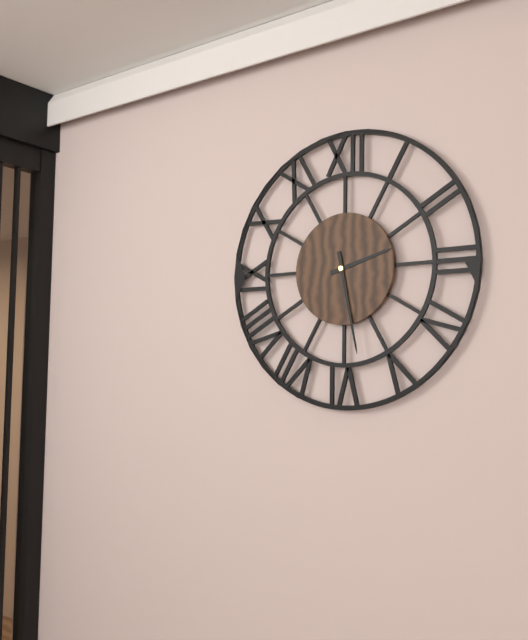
2.28
